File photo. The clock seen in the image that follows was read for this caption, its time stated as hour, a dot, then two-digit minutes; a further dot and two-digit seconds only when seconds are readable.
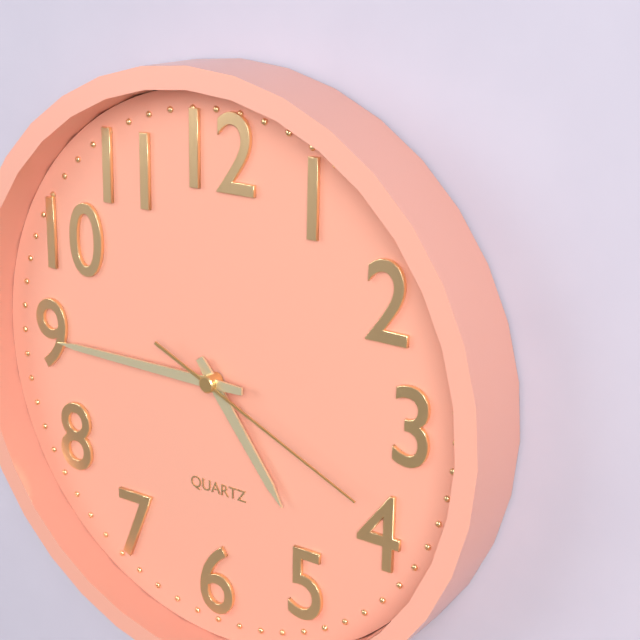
4.45.19
